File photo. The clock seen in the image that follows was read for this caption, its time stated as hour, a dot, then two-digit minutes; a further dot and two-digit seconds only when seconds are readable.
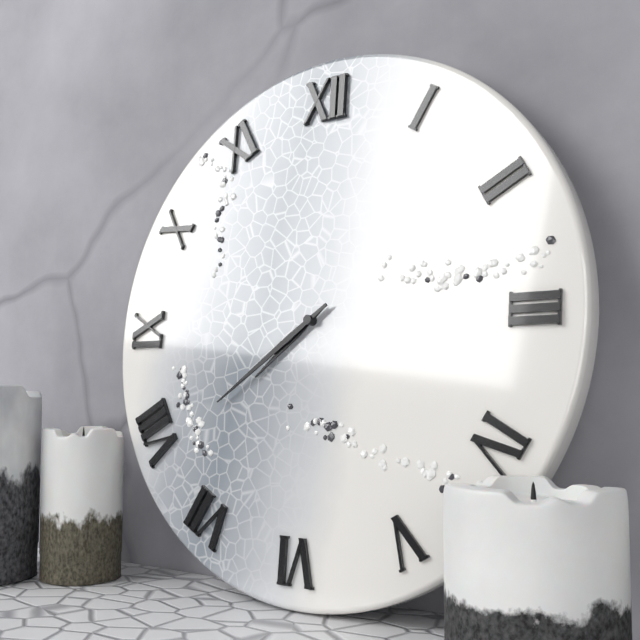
7.39
